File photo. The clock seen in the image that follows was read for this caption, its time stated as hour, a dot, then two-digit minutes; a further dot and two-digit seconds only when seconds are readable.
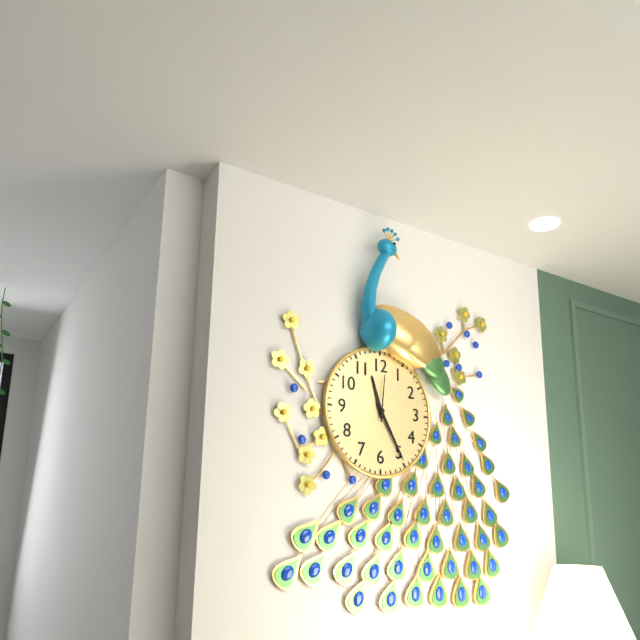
11.25
